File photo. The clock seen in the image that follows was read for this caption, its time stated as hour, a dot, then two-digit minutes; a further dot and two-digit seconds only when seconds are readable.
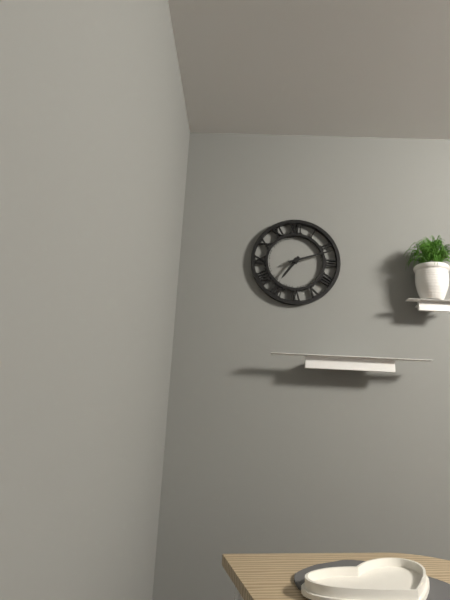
7.12
